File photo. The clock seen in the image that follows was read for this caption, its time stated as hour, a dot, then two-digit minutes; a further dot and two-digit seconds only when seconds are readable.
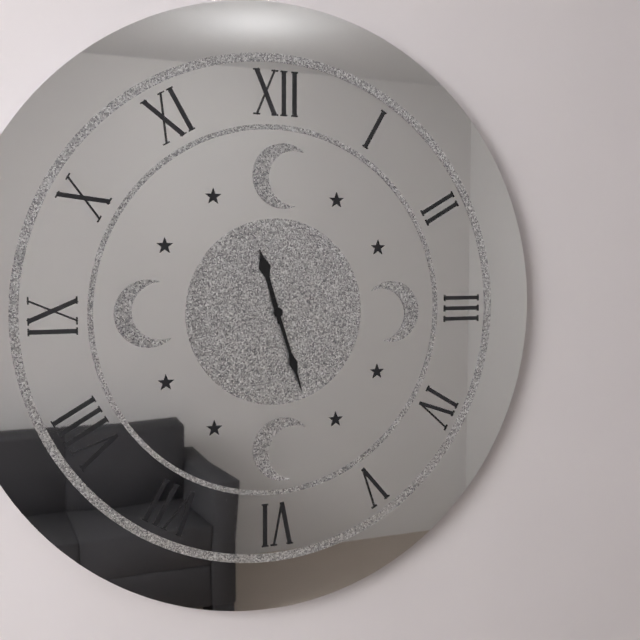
11.27
